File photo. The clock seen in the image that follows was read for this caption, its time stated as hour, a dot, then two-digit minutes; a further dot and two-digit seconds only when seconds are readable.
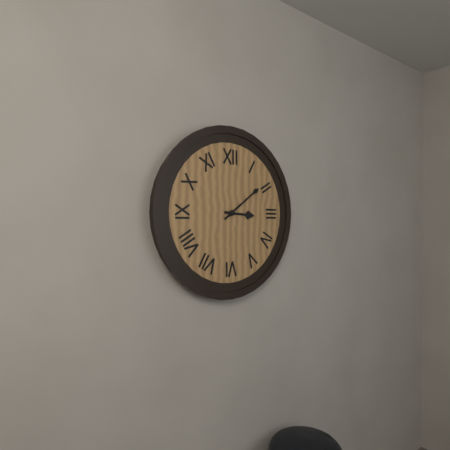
3.09
